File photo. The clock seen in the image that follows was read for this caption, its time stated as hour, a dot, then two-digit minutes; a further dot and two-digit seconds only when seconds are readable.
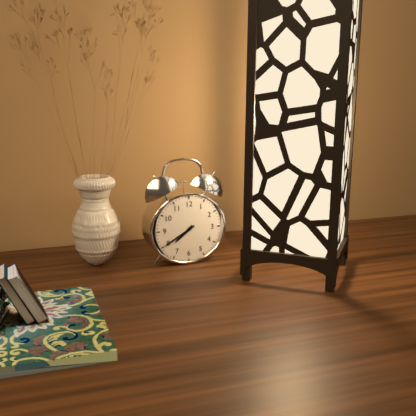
7.40
